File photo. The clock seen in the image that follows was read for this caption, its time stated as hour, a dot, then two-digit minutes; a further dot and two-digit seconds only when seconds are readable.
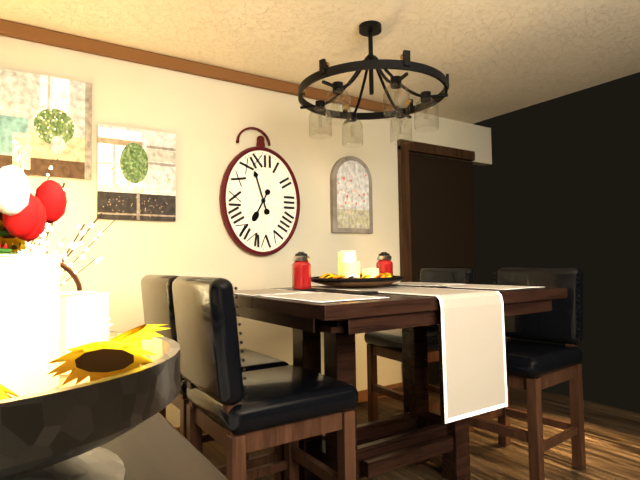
6.57
